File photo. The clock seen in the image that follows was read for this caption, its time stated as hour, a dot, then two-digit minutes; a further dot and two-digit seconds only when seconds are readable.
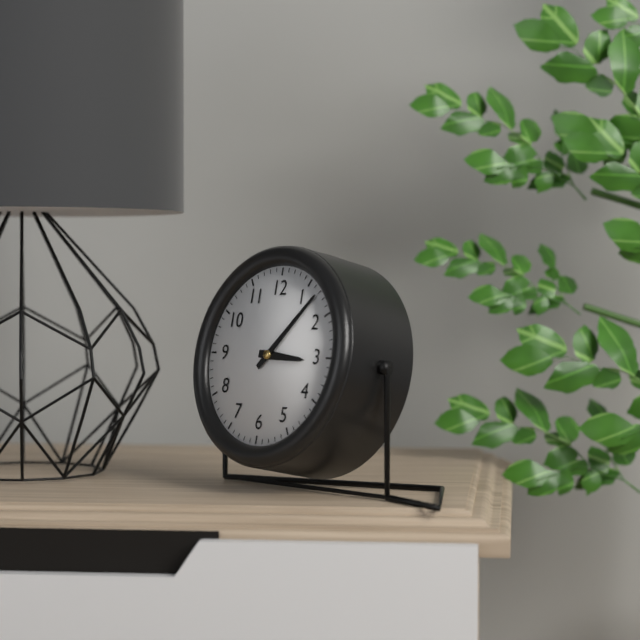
3.07
